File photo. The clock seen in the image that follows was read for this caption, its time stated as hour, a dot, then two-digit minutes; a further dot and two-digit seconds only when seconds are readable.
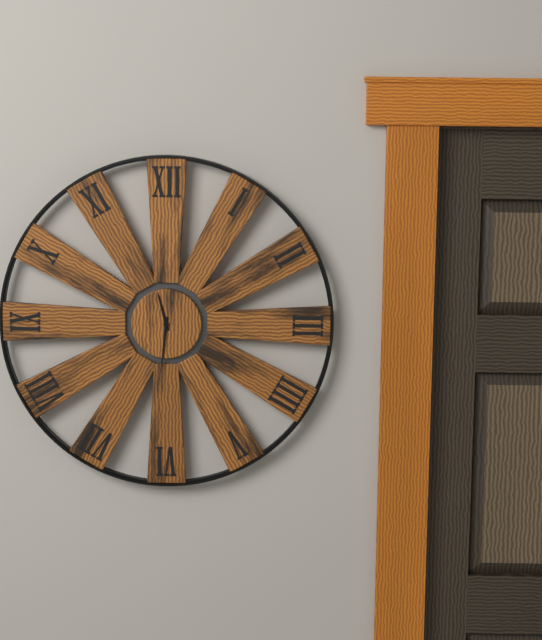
11.31
